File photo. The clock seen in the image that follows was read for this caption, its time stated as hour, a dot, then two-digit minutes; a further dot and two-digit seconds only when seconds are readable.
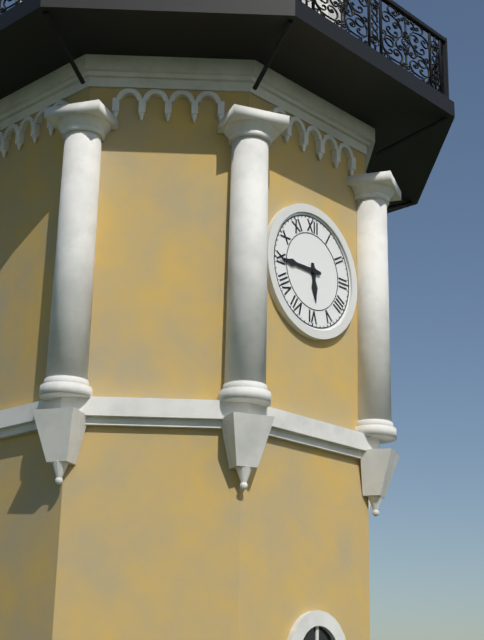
5.45
